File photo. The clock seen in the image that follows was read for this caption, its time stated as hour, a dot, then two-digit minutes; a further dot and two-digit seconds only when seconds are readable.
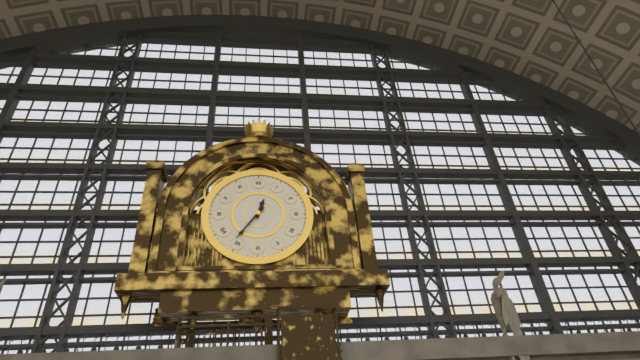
12.36
